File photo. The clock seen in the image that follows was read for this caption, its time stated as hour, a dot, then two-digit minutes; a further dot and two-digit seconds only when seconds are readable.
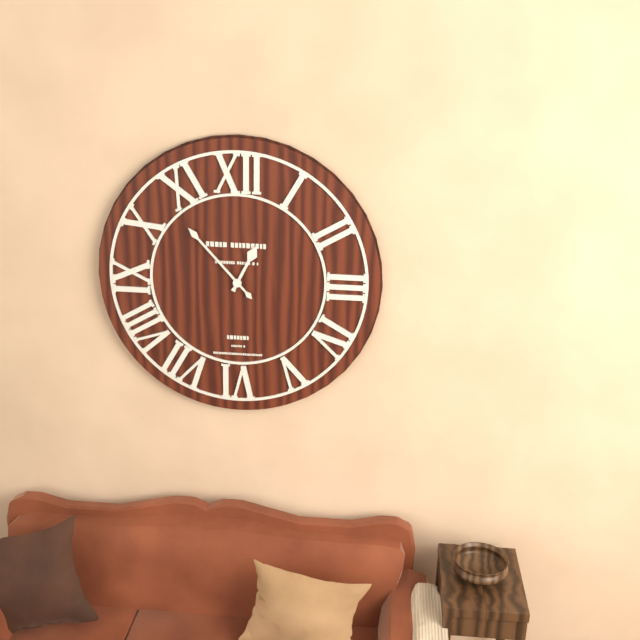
12.53
